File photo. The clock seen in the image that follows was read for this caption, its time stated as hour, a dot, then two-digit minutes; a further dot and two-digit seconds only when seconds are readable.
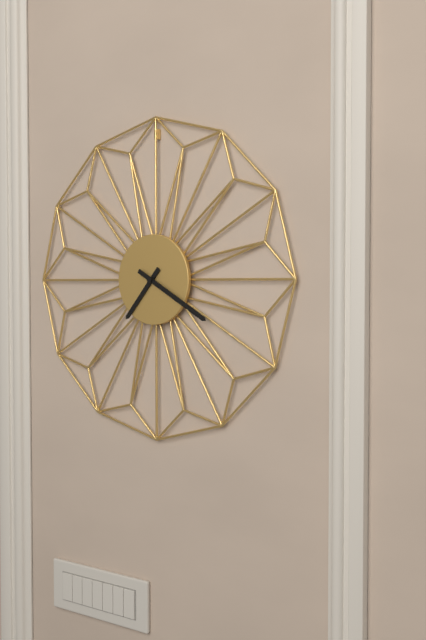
7.20
